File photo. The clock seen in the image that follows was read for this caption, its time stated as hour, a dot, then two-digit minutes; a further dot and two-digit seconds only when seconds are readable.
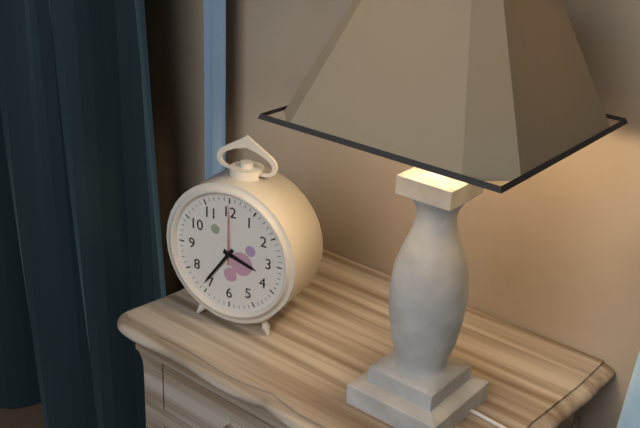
3.36.00
